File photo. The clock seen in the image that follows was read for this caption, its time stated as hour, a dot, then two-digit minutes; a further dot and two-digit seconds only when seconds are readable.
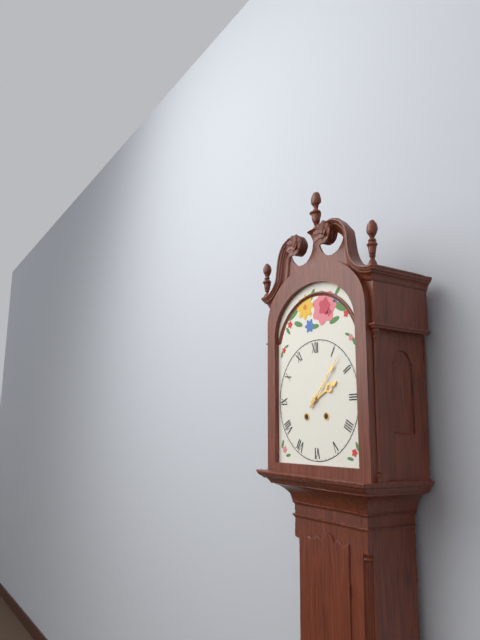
2.07
